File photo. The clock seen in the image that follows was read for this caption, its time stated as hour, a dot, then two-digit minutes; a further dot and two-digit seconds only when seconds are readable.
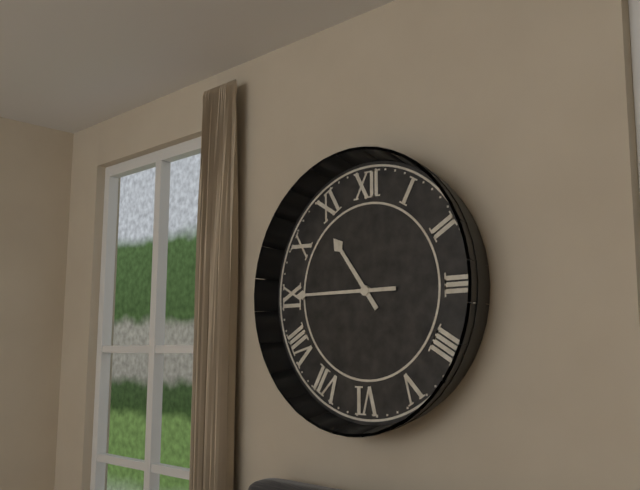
10.45
